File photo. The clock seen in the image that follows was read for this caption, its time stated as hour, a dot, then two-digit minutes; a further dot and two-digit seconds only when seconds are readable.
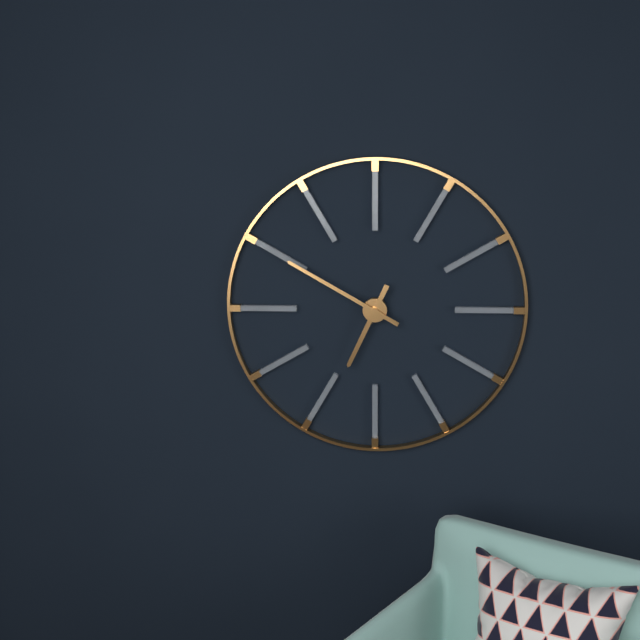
6.50
